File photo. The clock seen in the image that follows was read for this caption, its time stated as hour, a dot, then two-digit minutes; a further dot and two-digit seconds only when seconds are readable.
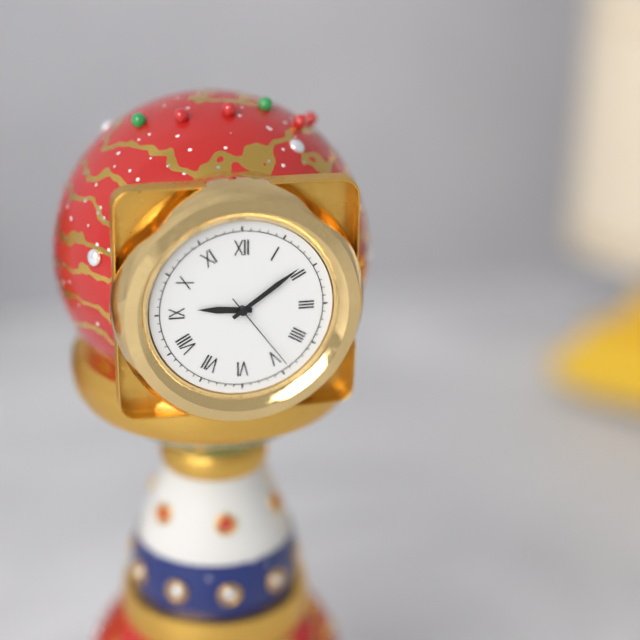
9.09.24
